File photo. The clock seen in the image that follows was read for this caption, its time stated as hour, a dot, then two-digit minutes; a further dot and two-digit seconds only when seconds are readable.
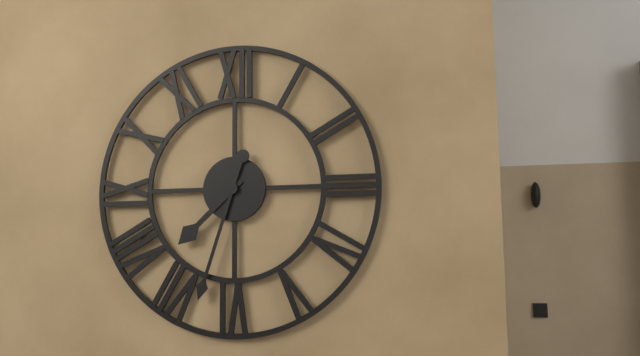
7.33
